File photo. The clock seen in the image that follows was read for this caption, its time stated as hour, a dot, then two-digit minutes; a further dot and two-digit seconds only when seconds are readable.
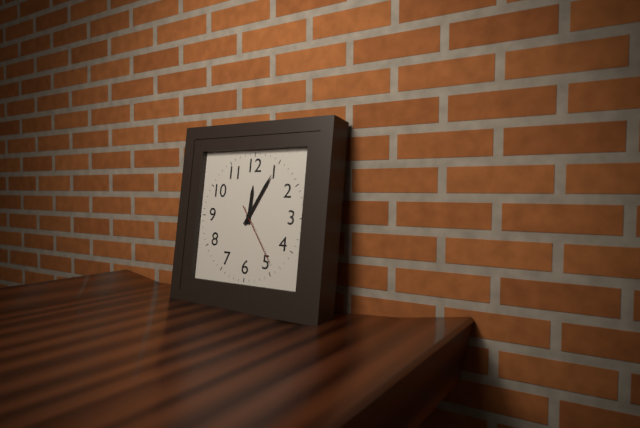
12.05.24
